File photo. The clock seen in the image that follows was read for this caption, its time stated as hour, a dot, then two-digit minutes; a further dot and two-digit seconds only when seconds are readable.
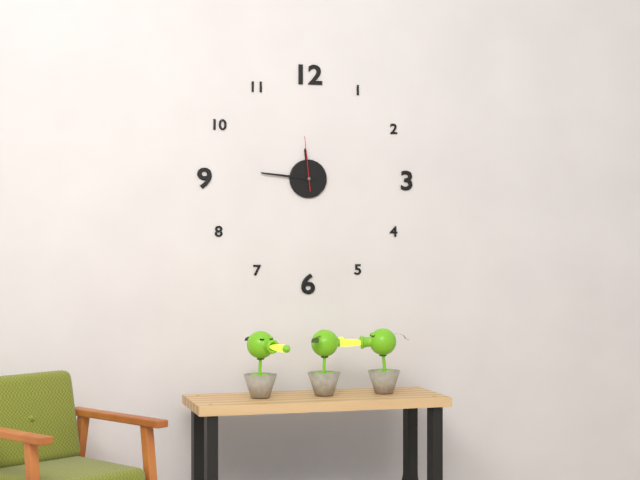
11.46.59
